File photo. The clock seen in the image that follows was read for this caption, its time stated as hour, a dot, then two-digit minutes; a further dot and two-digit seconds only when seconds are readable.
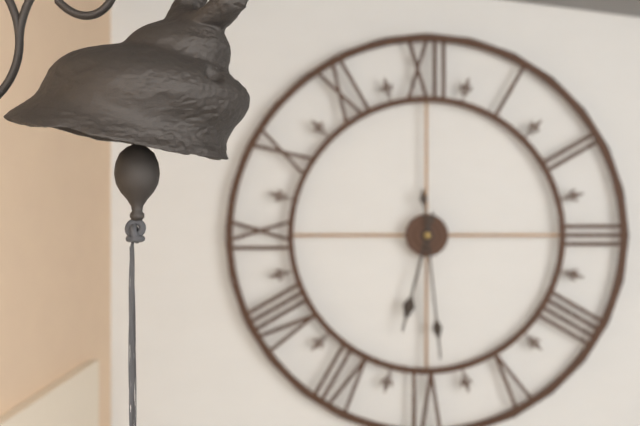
6.29
